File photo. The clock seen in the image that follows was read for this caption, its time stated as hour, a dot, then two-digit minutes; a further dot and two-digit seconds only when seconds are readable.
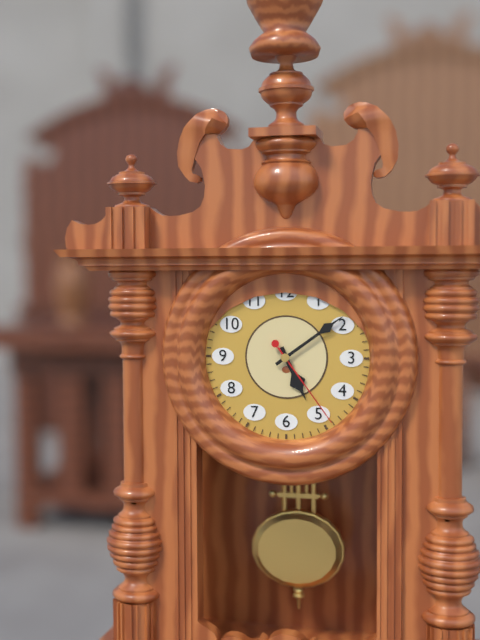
5.09.24
